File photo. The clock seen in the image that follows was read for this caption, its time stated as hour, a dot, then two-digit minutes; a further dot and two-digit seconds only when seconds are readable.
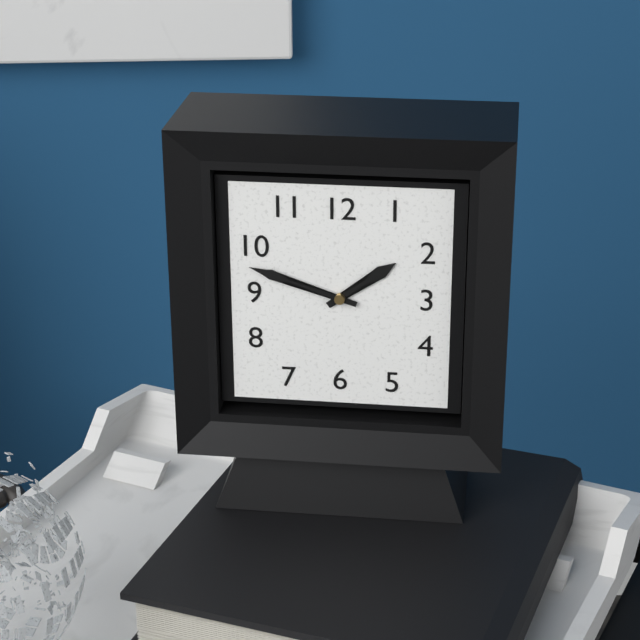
1.48
